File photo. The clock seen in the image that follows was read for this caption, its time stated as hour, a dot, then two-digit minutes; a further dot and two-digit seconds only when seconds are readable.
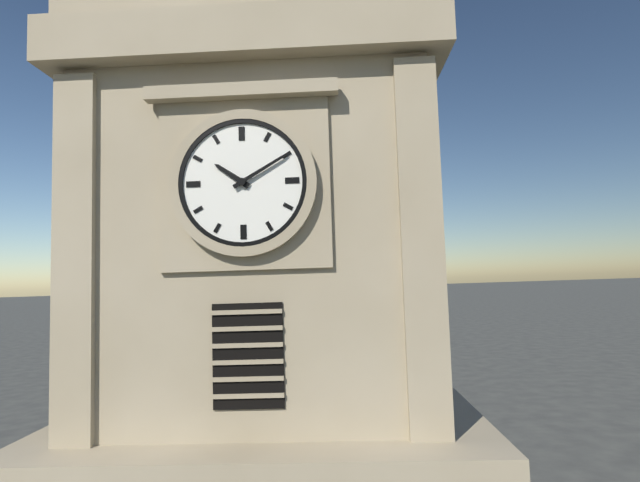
10.10
